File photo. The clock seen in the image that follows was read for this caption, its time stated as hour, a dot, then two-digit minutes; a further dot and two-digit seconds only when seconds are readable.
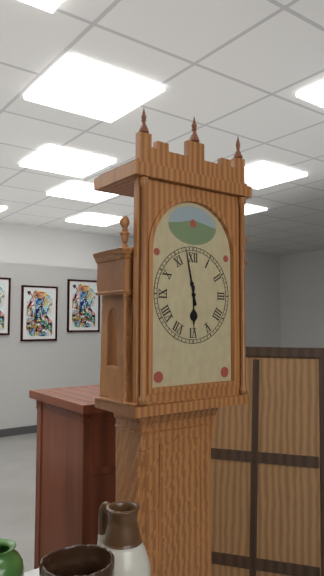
5.58
